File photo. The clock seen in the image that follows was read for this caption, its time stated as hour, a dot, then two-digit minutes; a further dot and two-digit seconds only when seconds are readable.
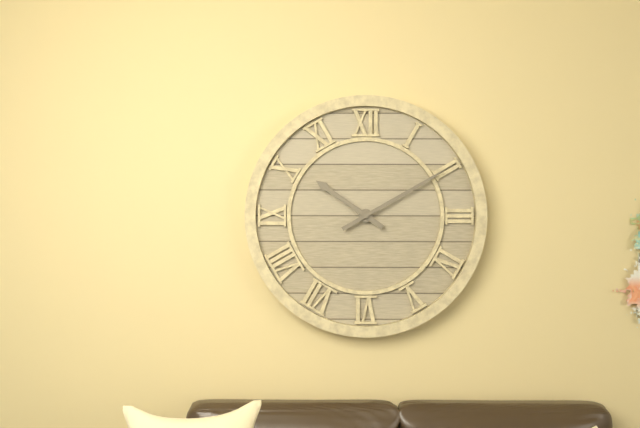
10.10
